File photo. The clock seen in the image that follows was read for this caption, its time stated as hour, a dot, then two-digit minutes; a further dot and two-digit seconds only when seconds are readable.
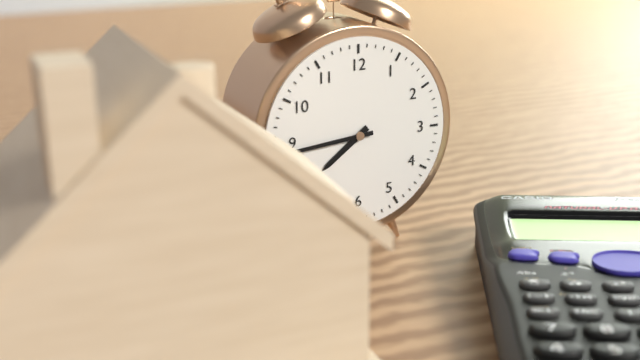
7.44
